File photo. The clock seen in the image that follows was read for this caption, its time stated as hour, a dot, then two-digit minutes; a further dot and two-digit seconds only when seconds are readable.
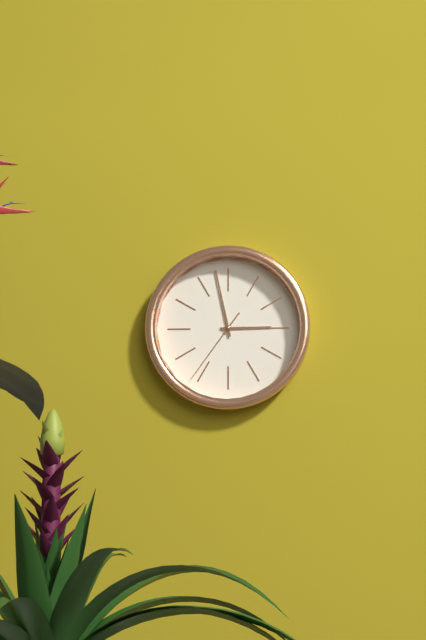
2.58.36
